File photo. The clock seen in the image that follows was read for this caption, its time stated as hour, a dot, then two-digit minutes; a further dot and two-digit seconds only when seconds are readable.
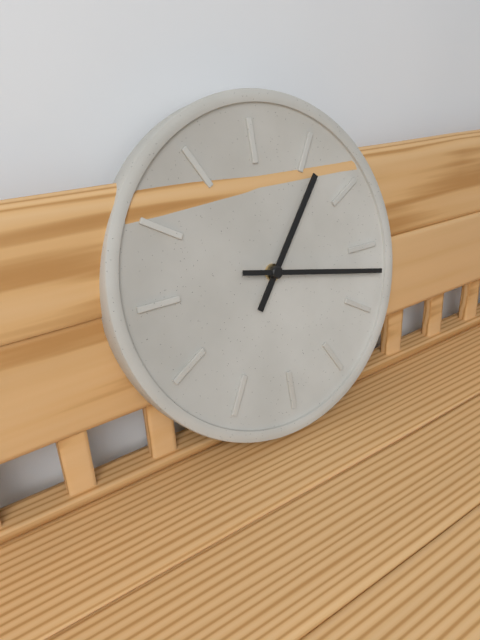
1.17
